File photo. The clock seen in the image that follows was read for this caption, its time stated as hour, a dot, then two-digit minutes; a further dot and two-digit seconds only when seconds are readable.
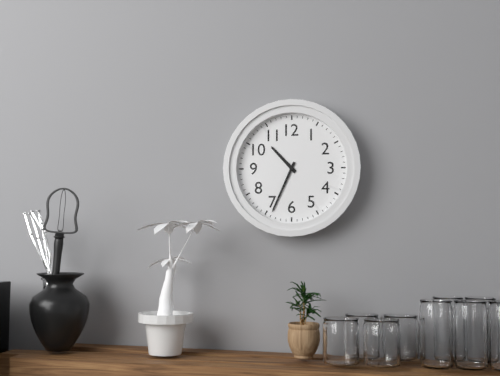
10.34
